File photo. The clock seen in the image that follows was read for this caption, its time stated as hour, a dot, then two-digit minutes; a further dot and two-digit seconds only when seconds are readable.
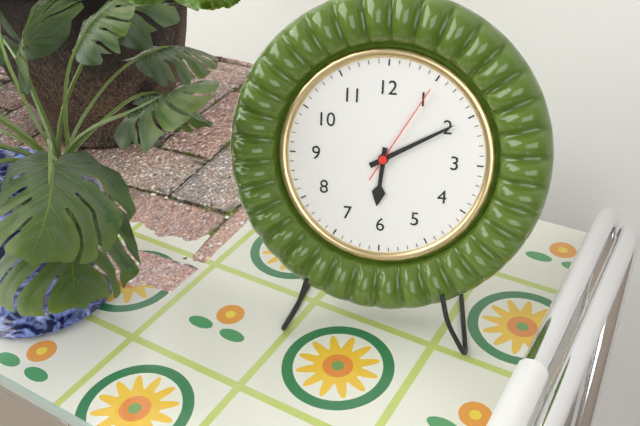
6.10.05
